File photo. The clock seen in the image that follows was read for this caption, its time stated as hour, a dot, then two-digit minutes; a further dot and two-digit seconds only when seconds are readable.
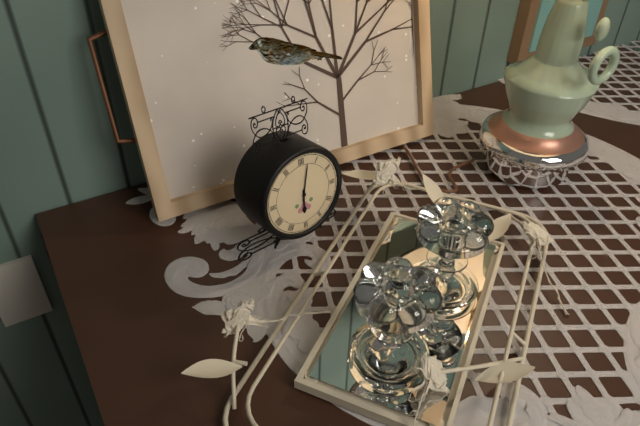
6.02
